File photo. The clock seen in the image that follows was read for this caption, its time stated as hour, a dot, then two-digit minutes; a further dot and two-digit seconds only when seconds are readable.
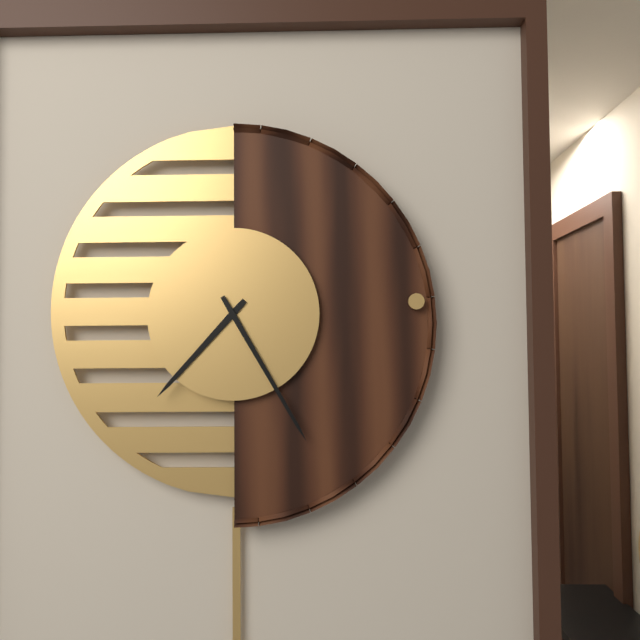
7.25
